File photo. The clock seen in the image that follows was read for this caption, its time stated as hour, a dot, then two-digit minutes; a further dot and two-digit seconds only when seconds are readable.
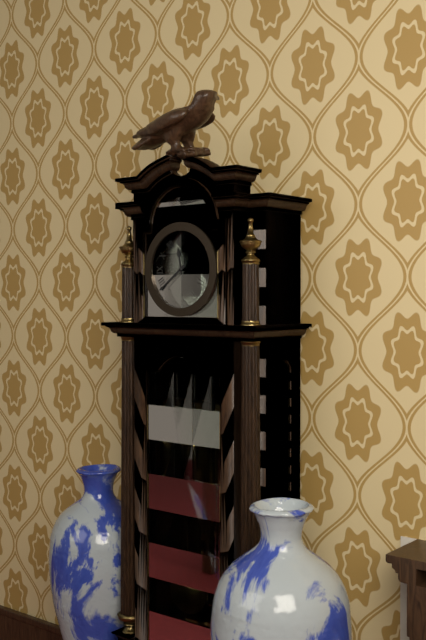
11.39
